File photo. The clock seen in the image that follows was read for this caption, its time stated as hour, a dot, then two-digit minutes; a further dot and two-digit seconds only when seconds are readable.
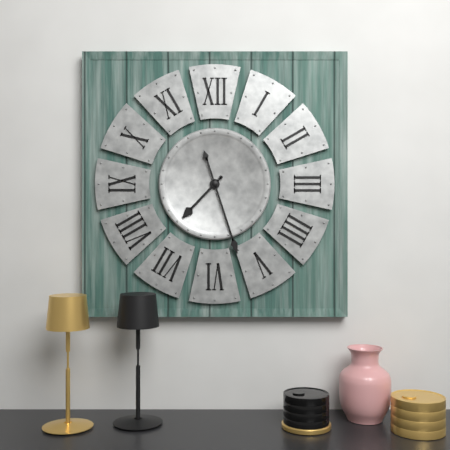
7.27
